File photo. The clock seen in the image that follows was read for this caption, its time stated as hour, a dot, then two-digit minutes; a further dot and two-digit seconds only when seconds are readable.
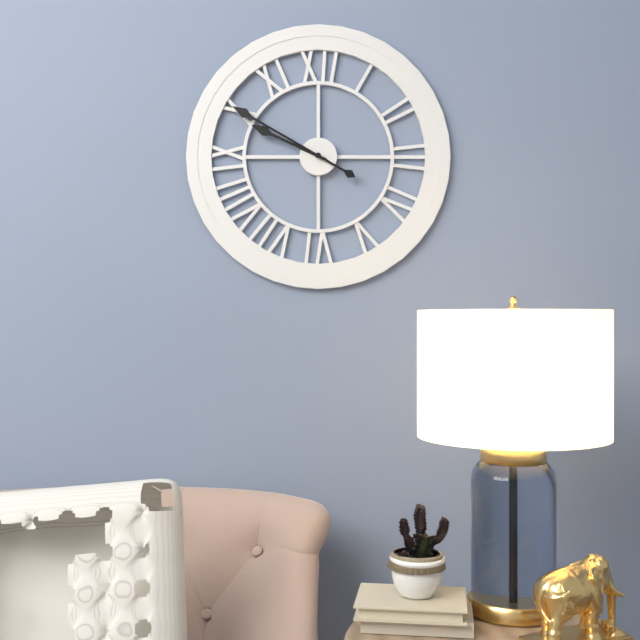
9.50
